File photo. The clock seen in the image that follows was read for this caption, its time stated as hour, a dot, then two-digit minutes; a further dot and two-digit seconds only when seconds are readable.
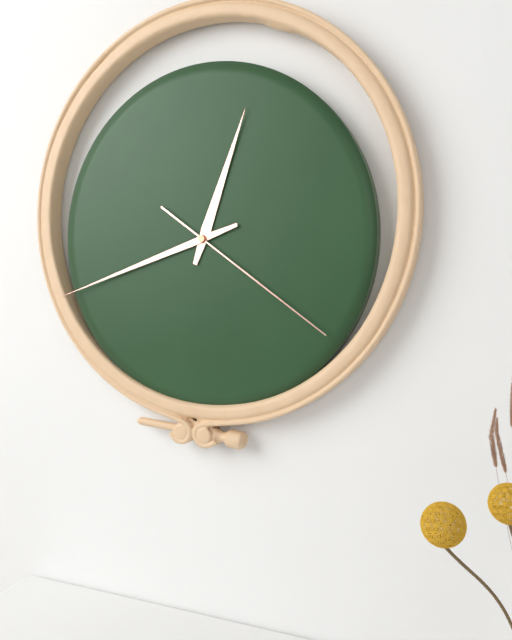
12.42.21
